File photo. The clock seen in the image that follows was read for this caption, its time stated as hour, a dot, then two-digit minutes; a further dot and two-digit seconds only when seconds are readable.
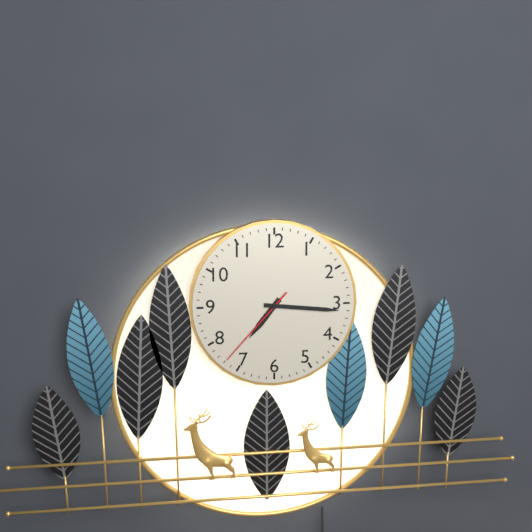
7.16.37
